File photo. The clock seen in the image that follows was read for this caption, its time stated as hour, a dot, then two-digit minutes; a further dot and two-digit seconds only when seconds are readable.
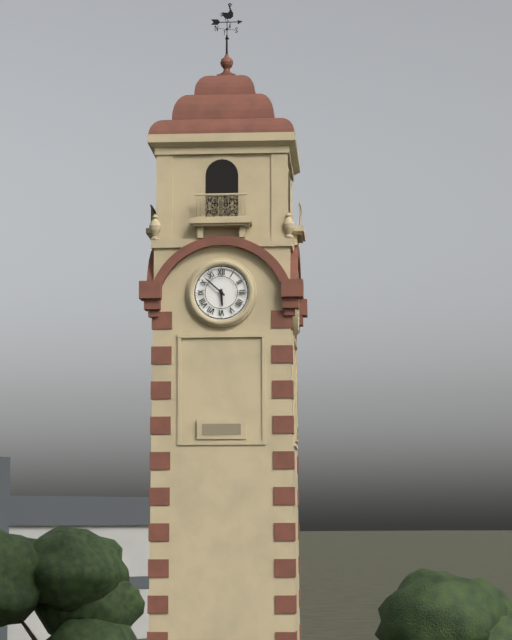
5.52
